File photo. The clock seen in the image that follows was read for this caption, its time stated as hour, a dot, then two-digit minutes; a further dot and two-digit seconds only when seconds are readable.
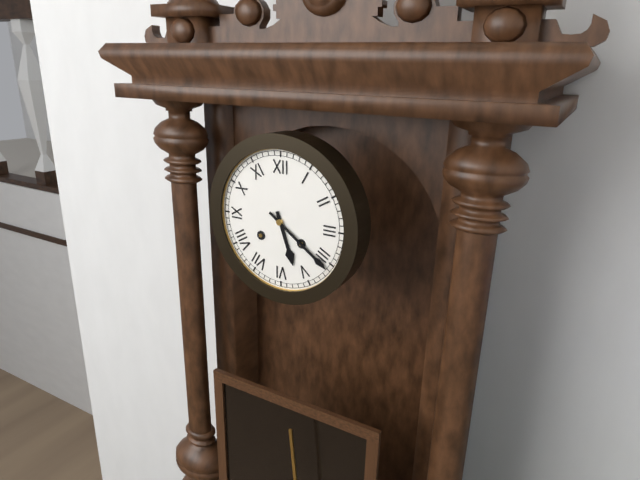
5.21
